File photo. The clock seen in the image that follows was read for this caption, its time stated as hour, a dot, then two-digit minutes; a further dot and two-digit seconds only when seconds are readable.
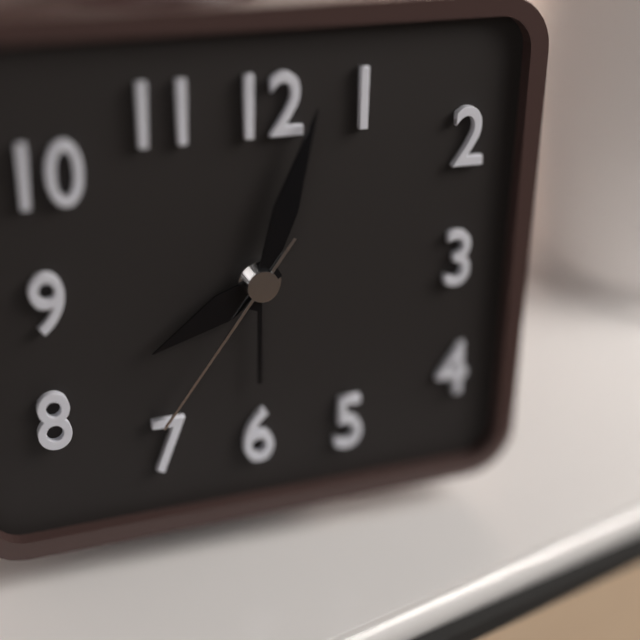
8.03.36
